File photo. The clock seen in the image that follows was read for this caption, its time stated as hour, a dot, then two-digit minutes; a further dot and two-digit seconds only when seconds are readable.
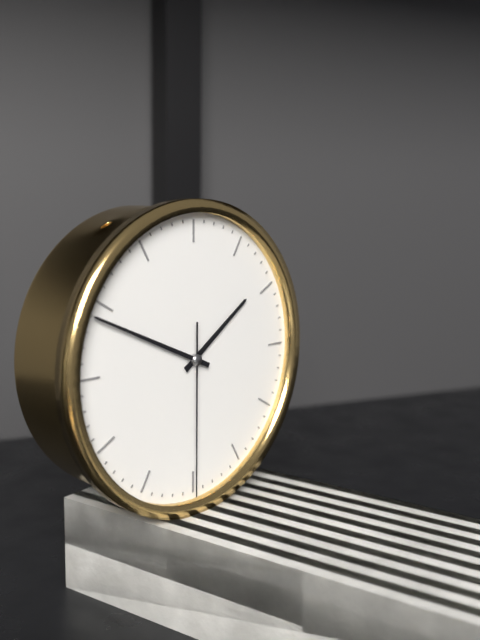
1.49.30
